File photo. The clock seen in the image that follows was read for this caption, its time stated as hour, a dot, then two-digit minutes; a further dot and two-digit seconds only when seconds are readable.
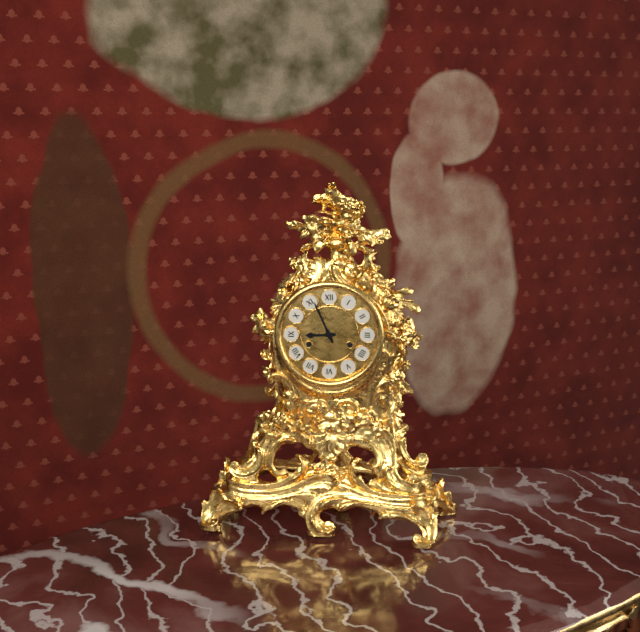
8.56
